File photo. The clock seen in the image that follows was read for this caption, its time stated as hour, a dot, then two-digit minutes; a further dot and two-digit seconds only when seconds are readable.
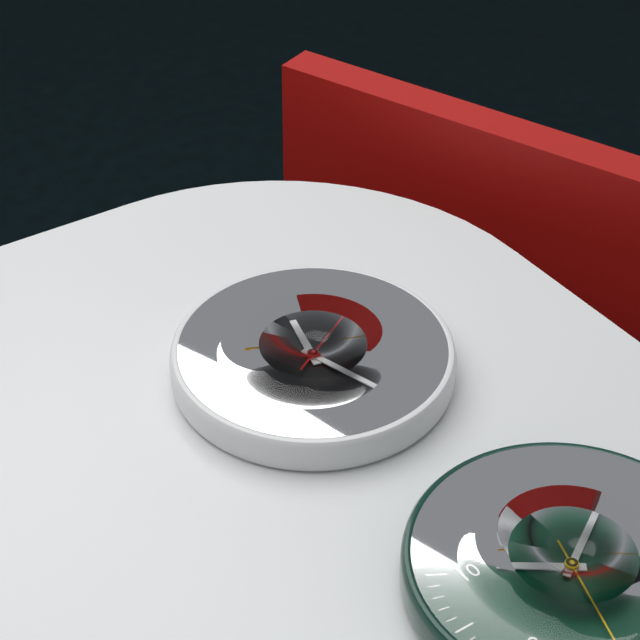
12.27.10
